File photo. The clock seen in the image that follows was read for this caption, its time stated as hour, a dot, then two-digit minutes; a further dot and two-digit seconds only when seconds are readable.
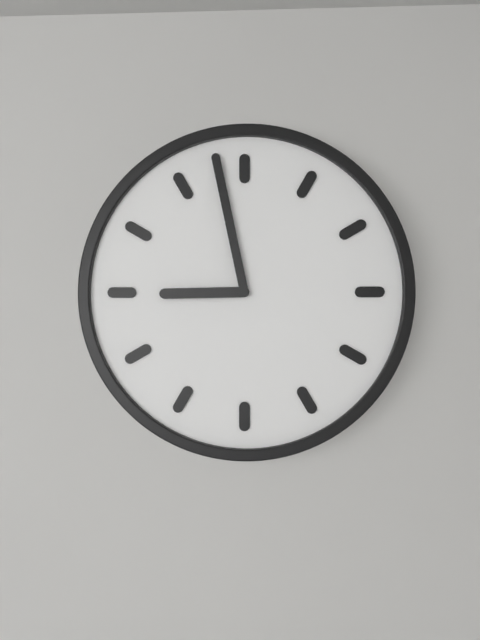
8.58
